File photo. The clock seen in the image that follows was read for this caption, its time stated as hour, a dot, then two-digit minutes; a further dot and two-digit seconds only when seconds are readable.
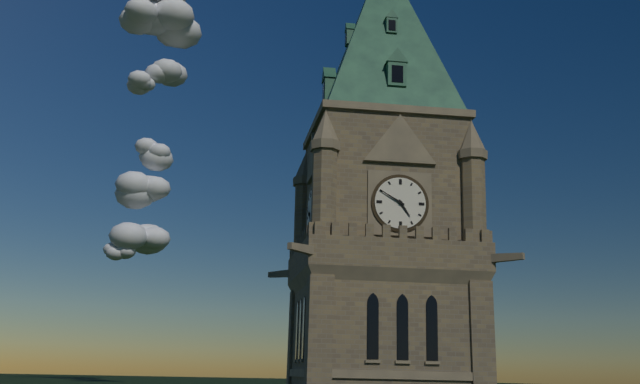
4.50
